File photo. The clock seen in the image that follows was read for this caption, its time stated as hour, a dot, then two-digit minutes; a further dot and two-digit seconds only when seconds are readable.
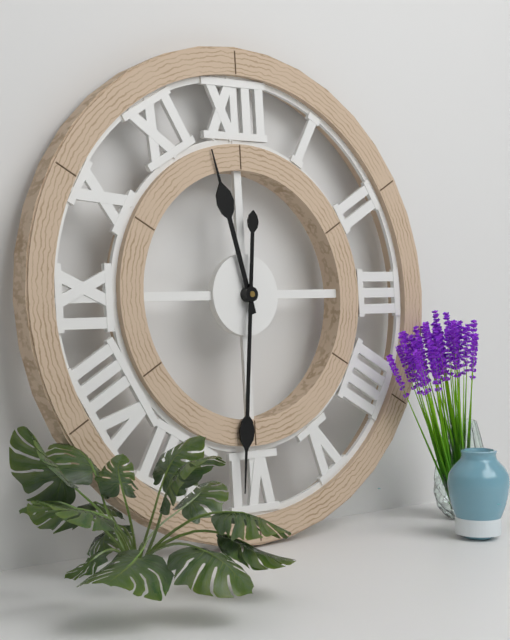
11.31
